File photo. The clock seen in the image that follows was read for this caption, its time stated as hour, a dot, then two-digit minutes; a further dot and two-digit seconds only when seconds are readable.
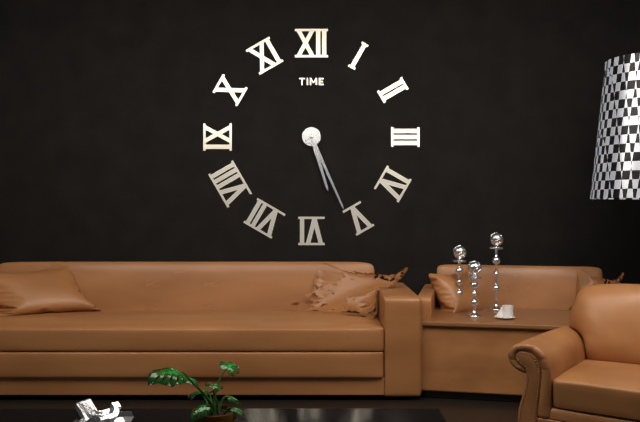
5.26
